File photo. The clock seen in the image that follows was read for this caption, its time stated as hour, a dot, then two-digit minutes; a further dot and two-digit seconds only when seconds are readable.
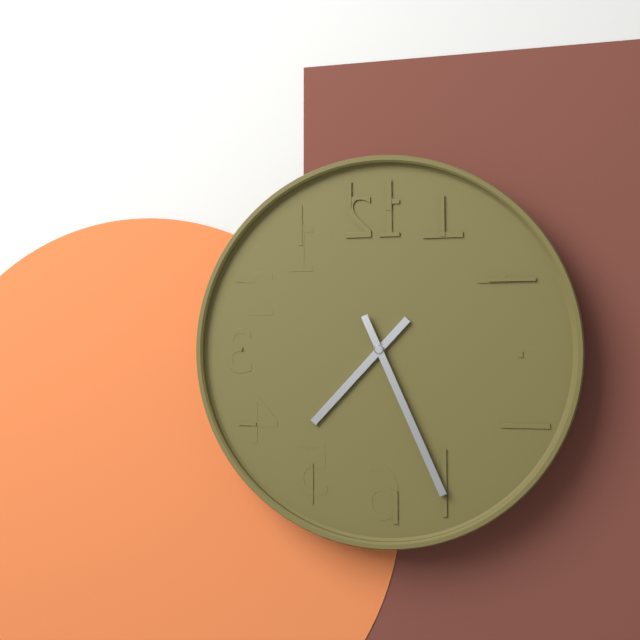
7.26
